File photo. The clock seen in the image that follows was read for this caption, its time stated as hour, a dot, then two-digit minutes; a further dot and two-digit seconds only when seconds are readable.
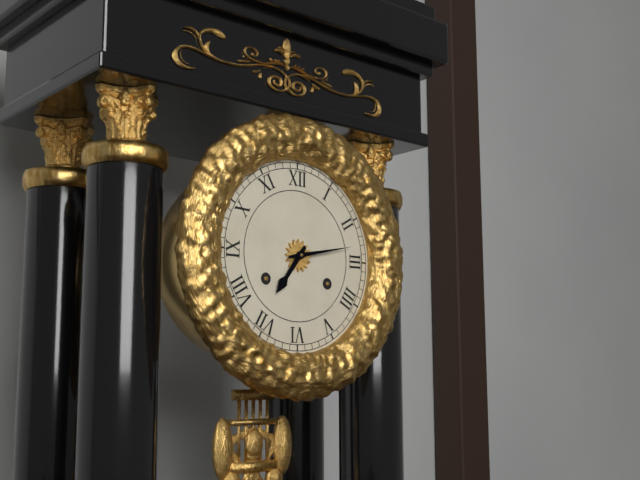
7.13
